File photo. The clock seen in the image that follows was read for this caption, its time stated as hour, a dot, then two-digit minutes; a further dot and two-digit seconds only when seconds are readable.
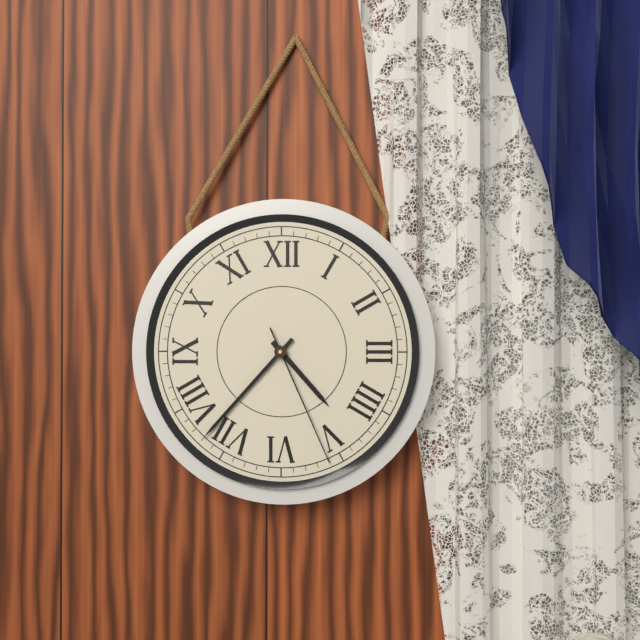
4.37.26
